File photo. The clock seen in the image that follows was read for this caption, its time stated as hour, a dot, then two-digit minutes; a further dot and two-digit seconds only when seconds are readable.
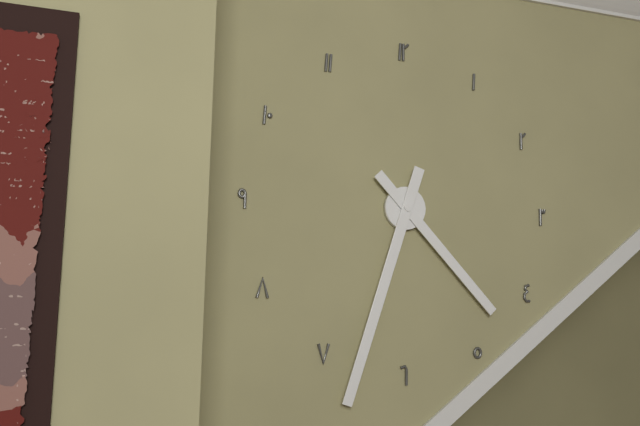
4.33
